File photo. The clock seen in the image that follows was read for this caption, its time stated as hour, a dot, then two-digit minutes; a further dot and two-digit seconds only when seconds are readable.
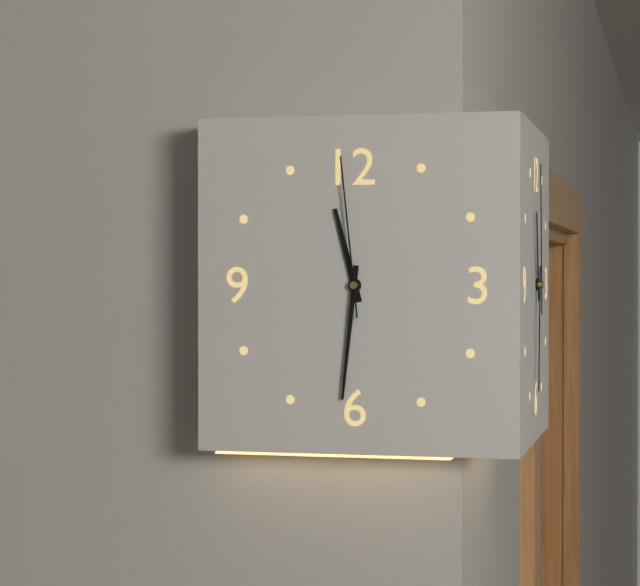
11.31.59
